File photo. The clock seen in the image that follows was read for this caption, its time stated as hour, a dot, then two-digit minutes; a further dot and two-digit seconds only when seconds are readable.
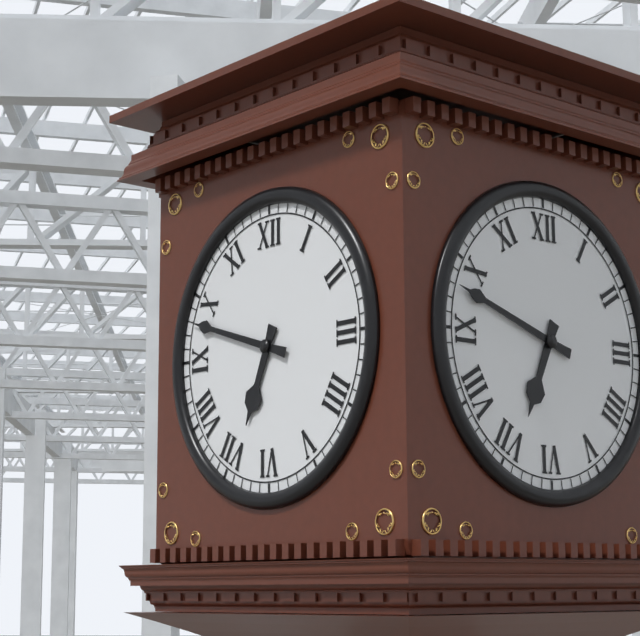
6.48
